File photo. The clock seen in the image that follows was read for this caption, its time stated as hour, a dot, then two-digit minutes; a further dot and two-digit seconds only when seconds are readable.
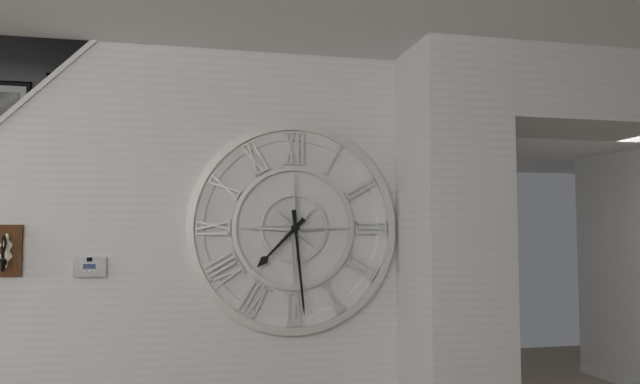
7.29
